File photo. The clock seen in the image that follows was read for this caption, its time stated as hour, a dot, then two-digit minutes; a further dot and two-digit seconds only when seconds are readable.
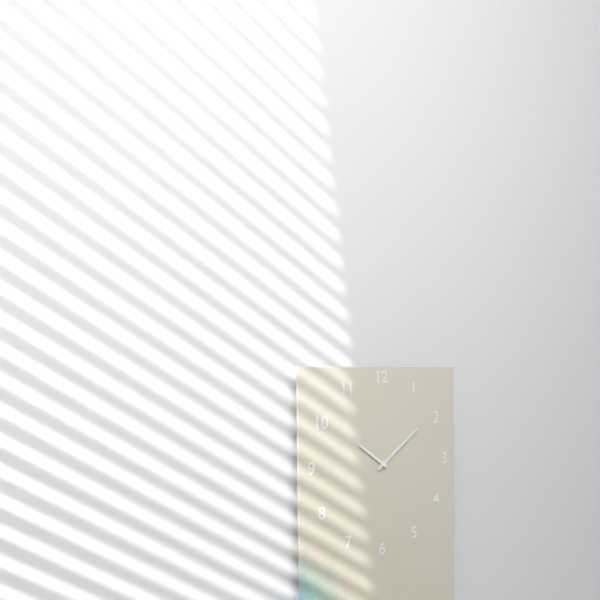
10.09
